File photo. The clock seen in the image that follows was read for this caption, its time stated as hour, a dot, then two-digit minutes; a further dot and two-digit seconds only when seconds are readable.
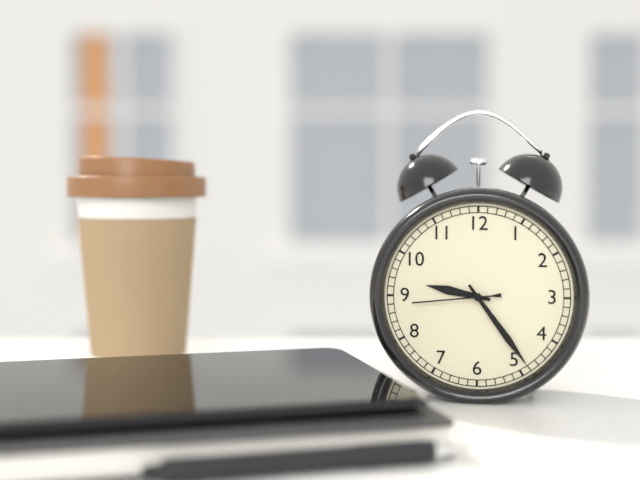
9.24.44
